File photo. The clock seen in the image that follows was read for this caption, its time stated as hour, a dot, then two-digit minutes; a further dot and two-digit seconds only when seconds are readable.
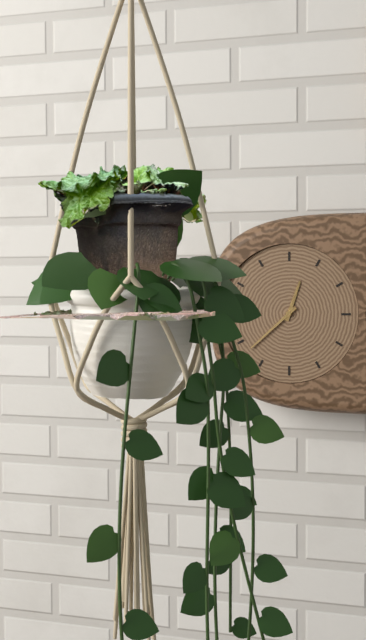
12.38
